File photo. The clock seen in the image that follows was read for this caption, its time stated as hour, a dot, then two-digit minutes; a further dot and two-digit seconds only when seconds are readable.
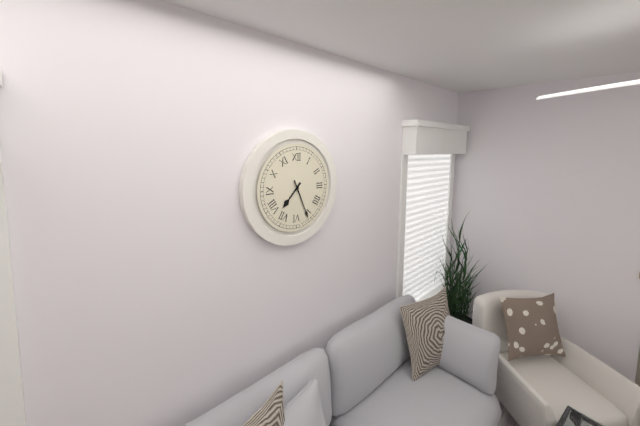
7.26
